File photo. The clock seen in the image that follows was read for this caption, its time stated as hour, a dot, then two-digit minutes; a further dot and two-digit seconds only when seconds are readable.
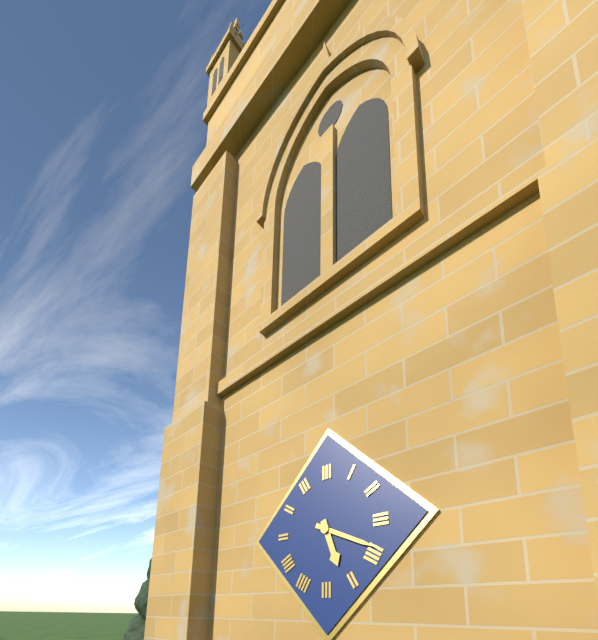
5.19
